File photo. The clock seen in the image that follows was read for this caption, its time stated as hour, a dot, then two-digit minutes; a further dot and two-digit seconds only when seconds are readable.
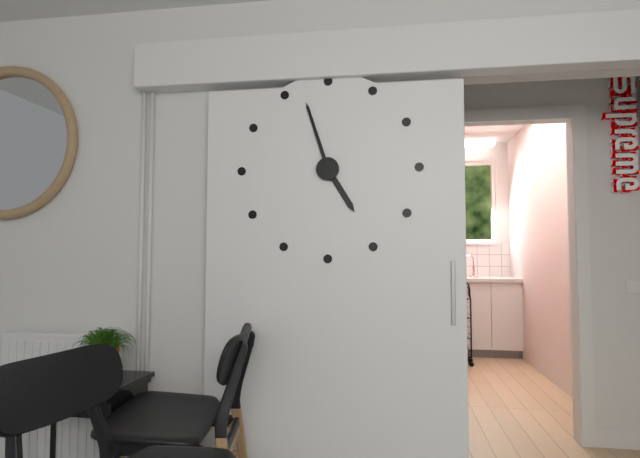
4.57
